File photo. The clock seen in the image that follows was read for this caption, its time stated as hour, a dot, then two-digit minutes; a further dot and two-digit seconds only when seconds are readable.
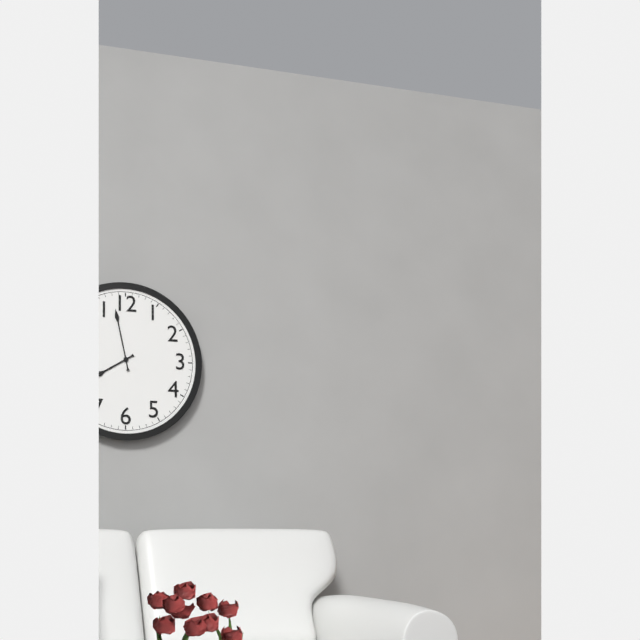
7.58
